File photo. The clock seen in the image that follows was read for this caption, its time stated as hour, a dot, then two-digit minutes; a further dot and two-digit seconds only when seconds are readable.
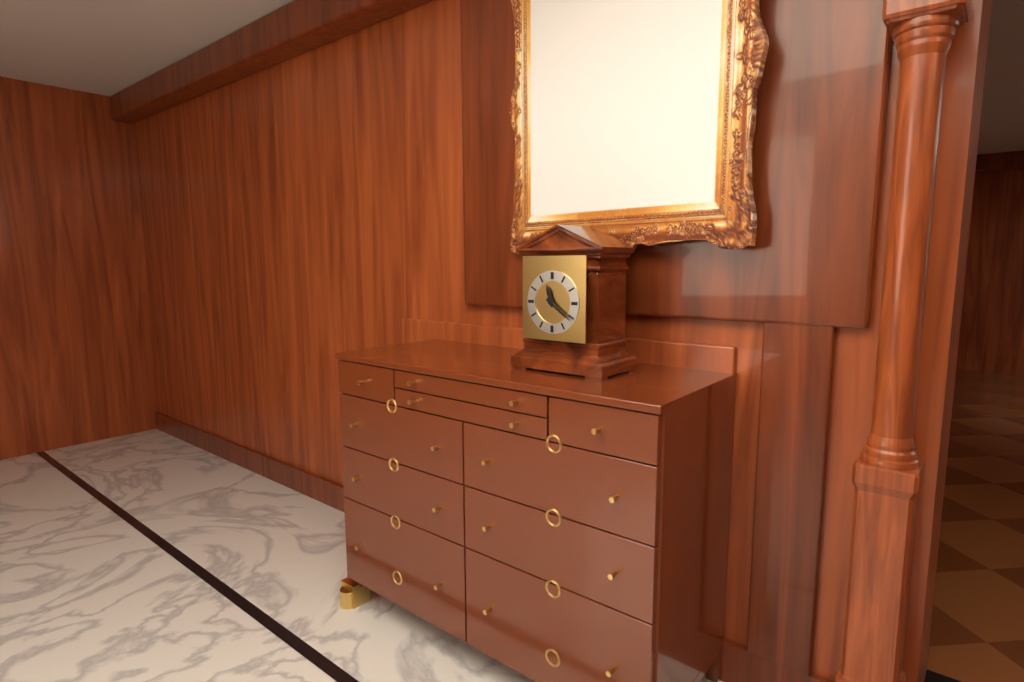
11.21
